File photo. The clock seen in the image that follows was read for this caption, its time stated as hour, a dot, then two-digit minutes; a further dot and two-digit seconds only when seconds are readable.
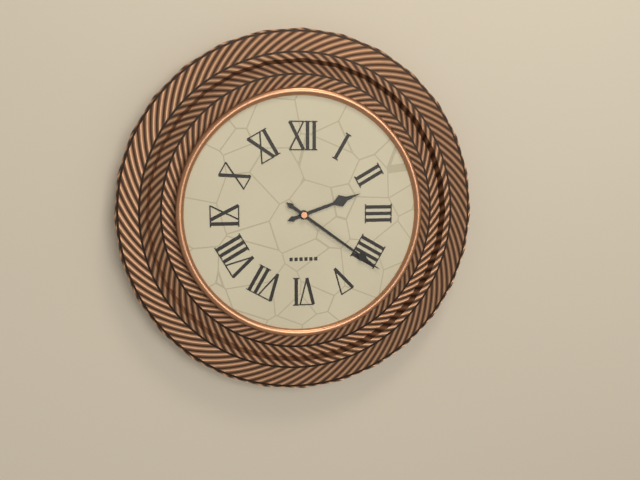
2.21
